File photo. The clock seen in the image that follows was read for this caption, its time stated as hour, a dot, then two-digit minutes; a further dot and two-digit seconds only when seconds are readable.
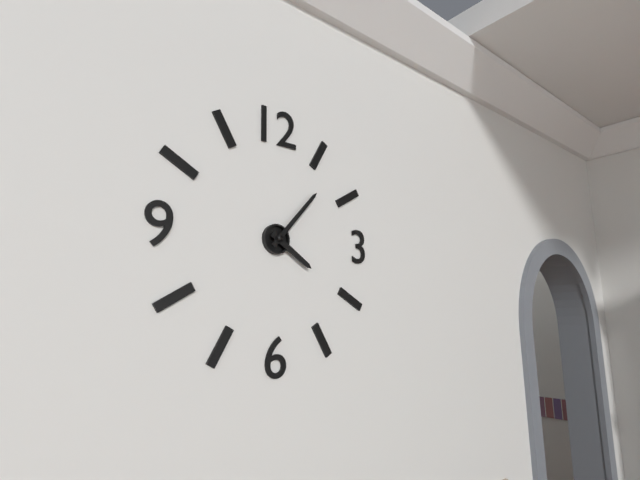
4.07
